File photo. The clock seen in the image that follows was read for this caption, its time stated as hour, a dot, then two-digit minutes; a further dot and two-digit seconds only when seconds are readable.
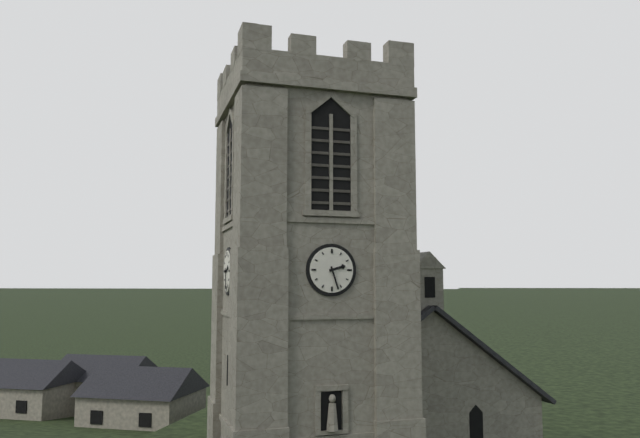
2.27
